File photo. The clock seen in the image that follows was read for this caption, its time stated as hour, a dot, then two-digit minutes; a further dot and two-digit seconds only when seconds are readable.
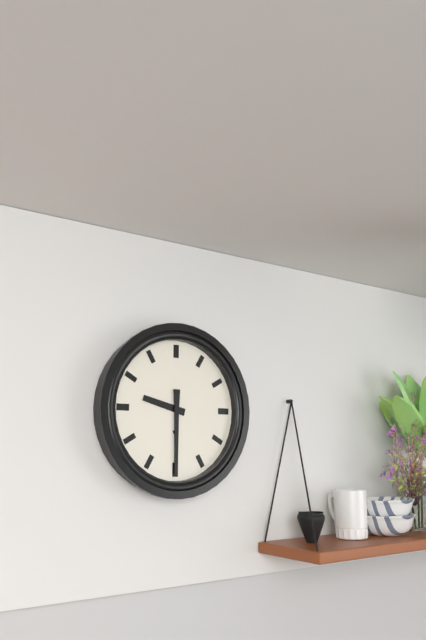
9.30
